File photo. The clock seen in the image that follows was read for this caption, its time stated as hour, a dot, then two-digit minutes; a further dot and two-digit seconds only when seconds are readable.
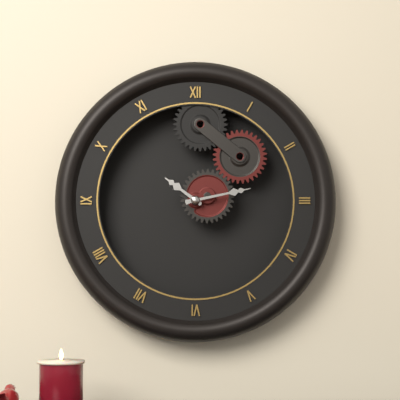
10.13
